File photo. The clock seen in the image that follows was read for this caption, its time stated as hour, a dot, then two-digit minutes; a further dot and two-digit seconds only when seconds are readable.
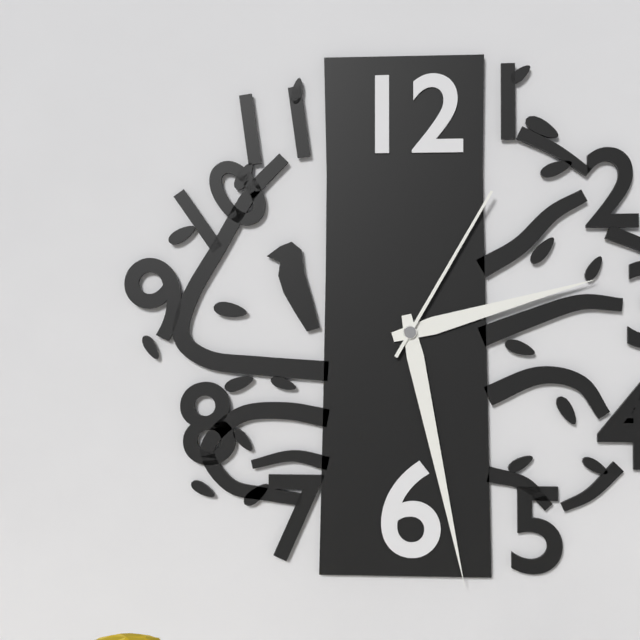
2.28.05
